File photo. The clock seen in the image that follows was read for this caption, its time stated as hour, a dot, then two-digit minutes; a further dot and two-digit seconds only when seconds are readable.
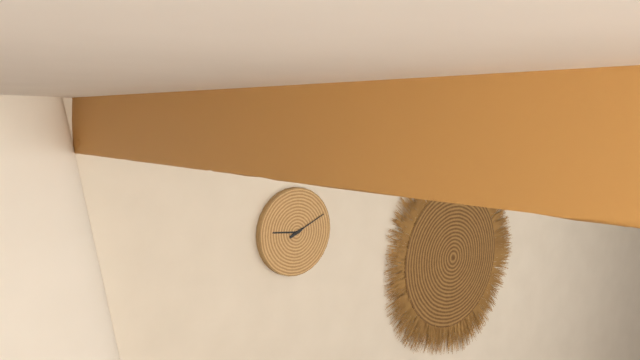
9.11
